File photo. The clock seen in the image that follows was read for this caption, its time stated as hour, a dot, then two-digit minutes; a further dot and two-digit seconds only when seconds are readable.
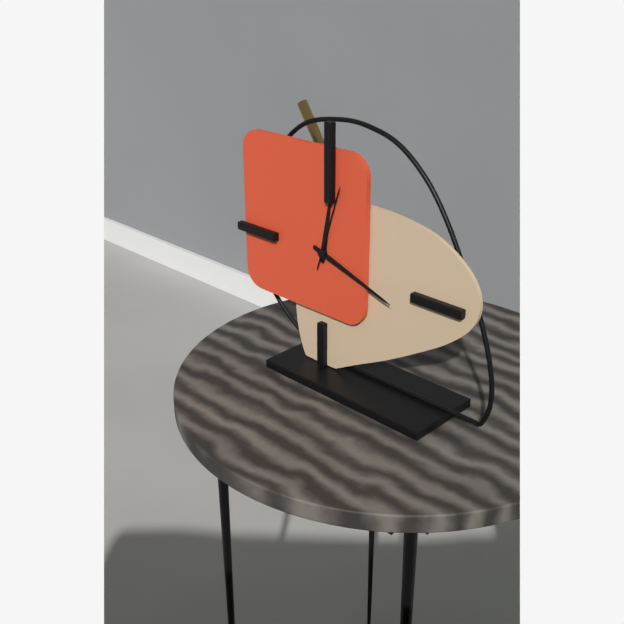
12.18.03
